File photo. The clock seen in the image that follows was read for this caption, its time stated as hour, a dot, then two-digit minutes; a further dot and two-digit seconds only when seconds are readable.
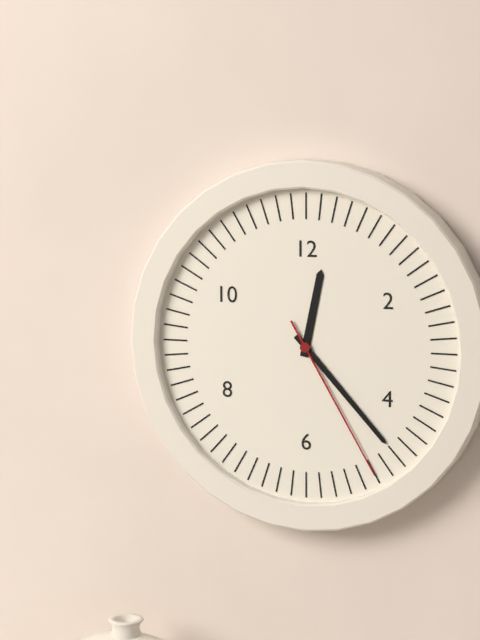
12.23.25
